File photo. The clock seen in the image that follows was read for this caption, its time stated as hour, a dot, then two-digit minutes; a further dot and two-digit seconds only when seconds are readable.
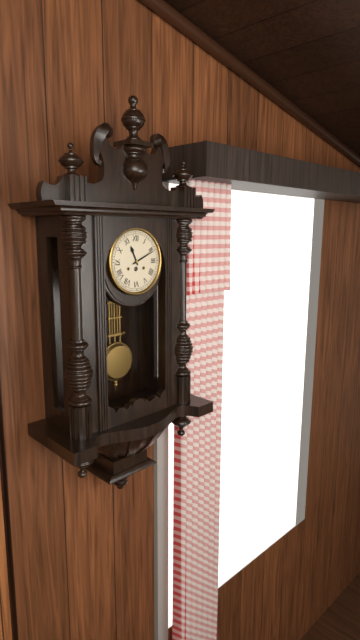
11.11
